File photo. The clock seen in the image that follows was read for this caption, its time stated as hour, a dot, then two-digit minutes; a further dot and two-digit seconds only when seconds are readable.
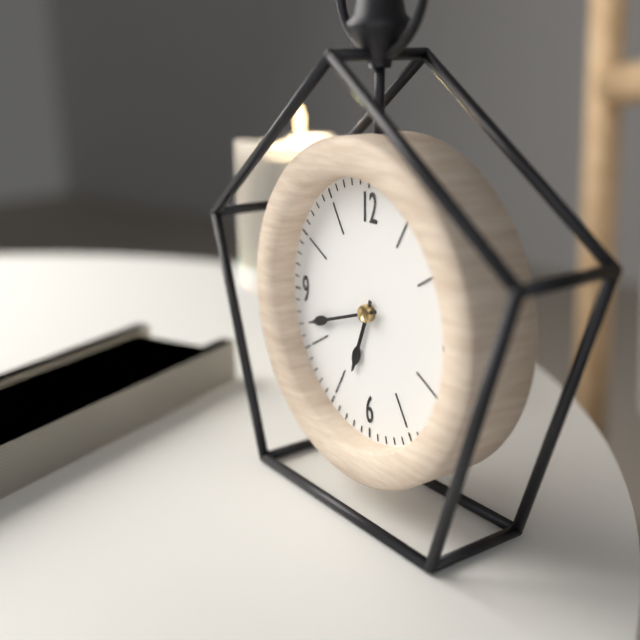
6.42
